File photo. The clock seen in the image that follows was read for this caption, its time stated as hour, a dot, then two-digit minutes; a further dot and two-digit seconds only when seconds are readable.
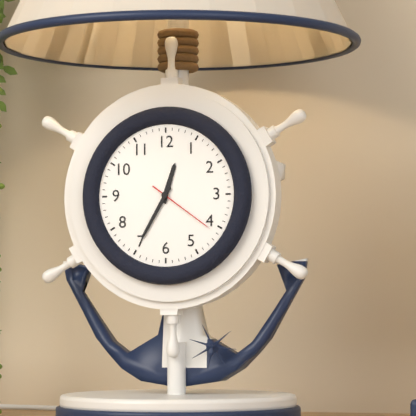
12.35.21
